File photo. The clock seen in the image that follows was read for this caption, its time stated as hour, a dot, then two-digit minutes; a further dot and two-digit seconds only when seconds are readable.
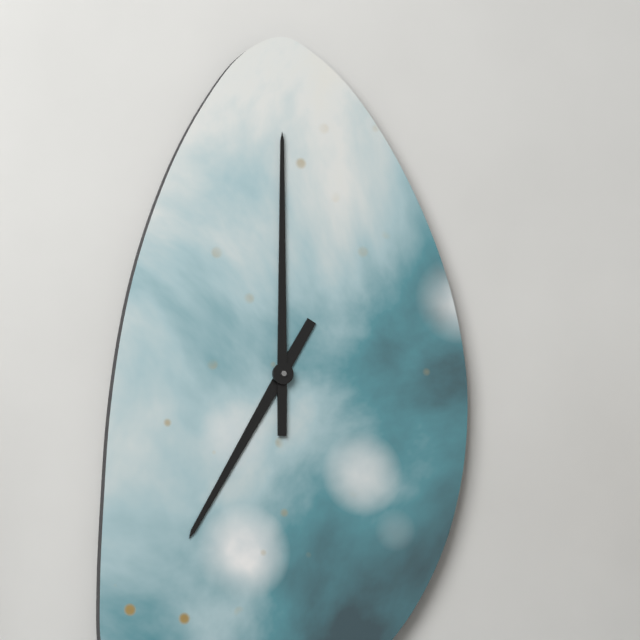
7.00
